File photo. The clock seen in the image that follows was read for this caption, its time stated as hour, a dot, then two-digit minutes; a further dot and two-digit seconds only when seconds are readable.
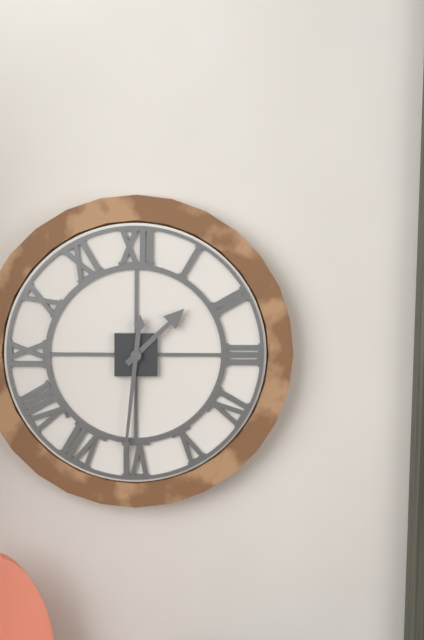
1.31
